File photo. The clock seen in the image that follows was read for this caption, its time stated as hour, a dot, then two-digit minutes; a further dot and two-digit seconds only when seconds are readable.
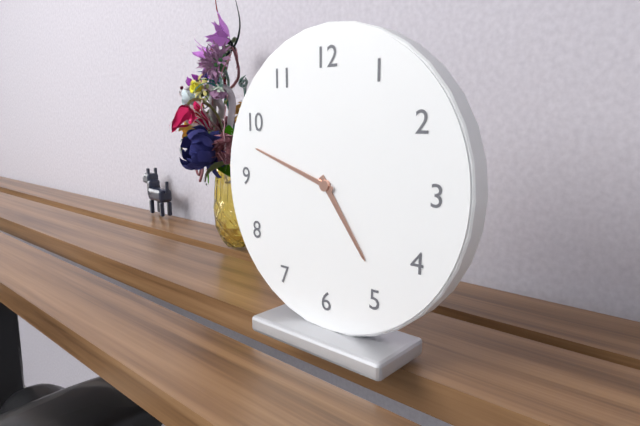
4.48
